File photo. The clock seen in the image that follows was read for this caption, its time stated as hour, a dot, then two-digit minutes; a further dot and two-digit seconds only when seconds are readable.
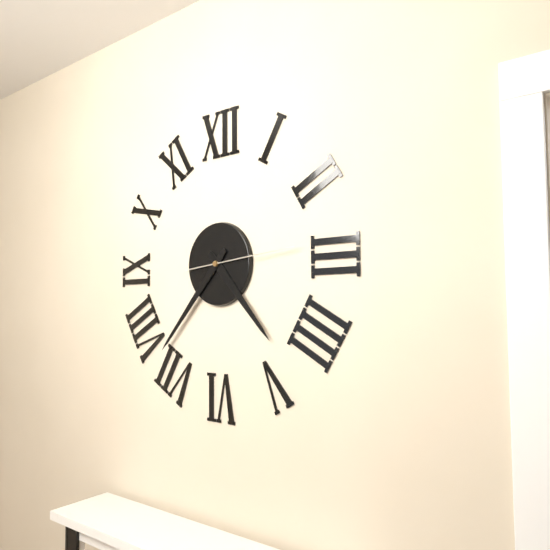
4.37.14
